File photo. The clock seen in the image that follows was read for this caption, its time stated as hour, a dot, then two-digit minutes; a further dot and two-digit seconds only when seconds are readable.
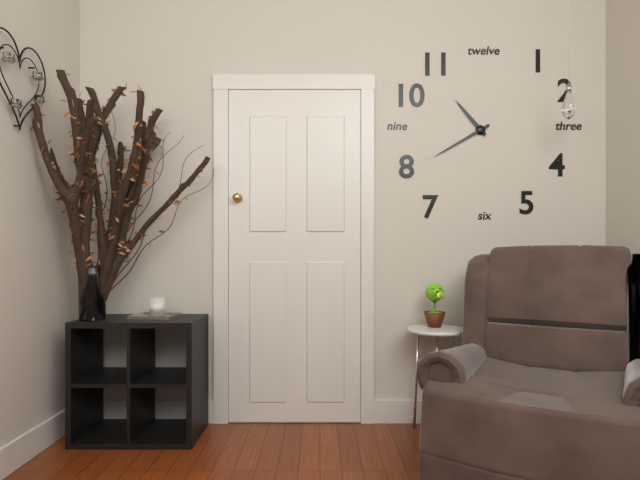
10.40
